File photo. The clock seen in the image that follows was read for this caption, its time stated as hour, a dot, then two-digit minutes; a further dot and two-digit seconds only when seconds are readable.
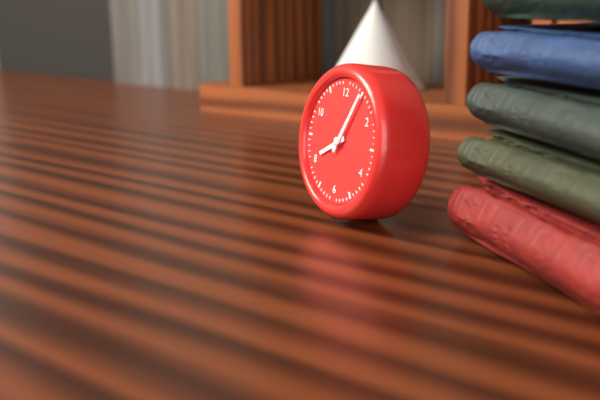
8.05
